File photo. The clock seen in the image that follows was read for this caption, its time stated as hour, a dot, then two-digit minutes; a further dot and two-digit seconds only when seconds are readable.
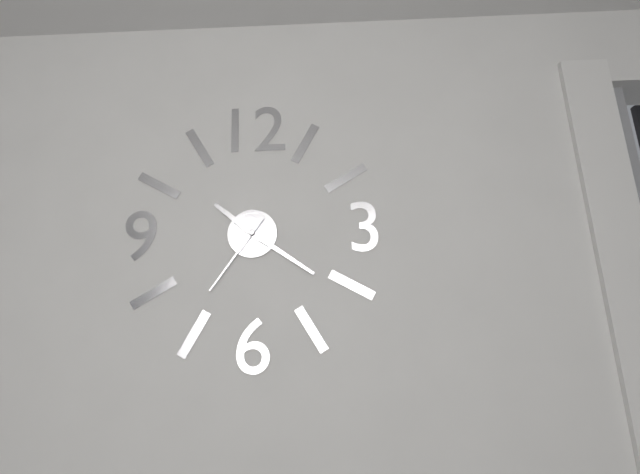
10.21.36
